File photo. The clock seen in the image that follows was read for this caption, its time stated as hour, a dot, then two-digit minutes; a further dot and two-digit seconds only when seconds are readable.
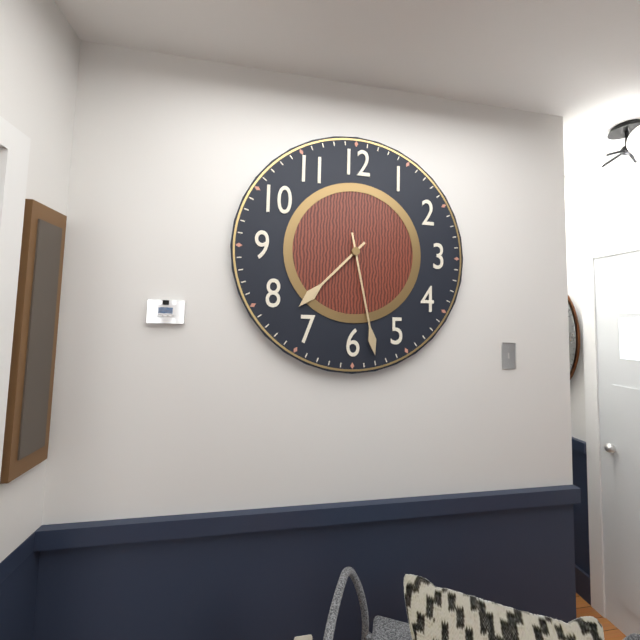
7.28
